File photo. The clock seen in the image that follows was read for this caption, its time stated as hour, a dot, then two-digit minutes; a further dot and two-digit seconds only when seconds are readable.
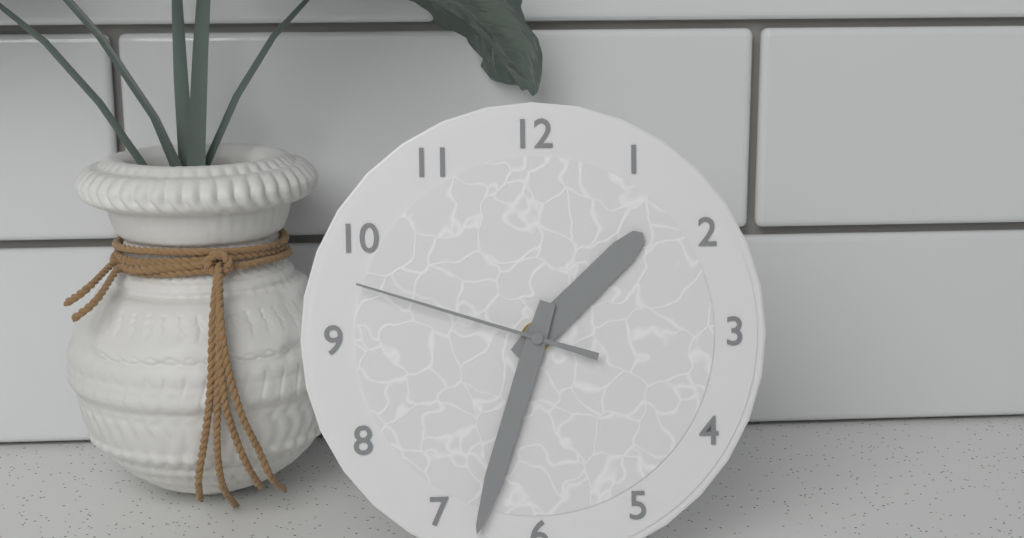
1.33.48
